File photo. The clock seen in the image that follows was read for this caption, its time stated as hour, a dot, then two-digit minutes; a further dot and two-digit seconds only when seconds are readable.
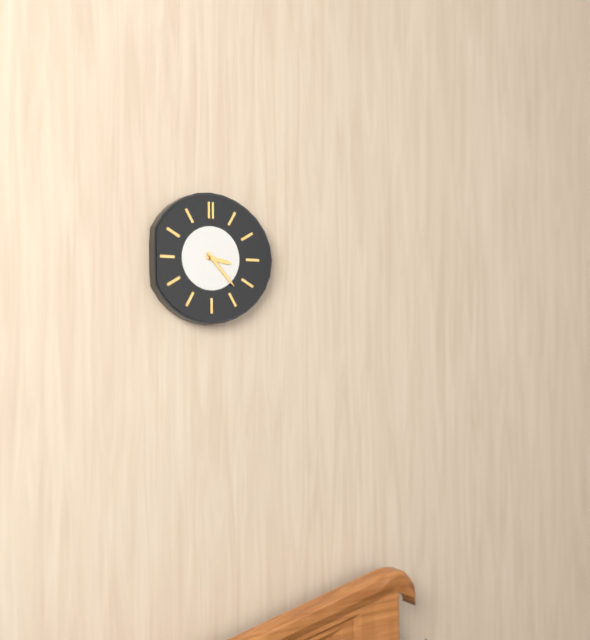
3.23
